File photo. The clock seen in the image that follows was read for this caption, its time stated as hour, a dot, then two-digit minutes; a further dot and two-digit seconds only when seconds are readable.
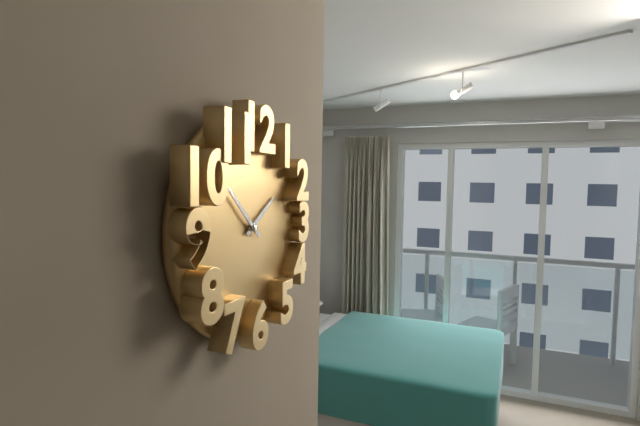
1.52
